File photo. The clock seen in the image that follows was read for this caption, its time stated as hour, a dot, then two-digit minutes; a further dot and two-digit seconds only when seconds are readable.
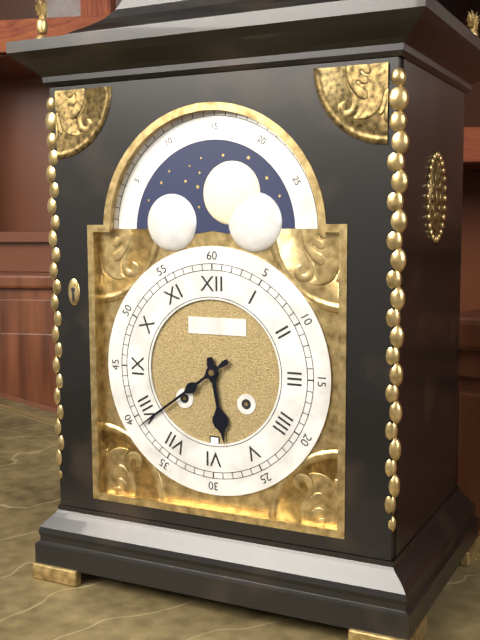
5.39
